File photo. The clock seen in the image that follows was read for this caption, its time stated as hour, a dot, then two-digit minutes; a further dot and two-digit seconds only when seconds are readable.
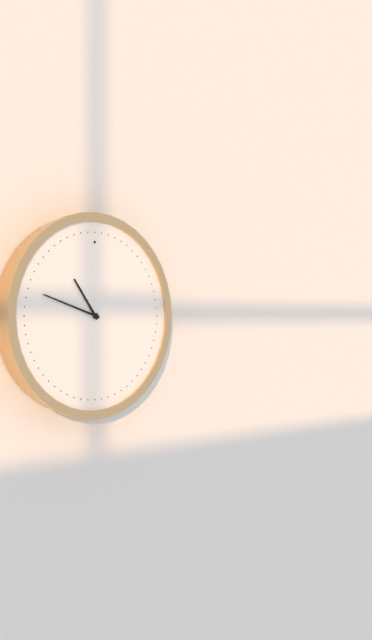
10.48
